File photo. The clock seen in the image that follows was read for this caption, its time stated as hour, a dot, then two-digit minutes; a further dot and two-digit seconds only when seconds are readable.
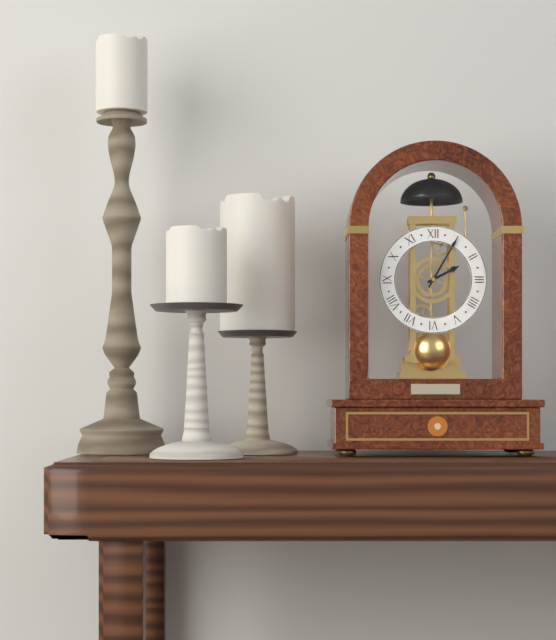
2.05
